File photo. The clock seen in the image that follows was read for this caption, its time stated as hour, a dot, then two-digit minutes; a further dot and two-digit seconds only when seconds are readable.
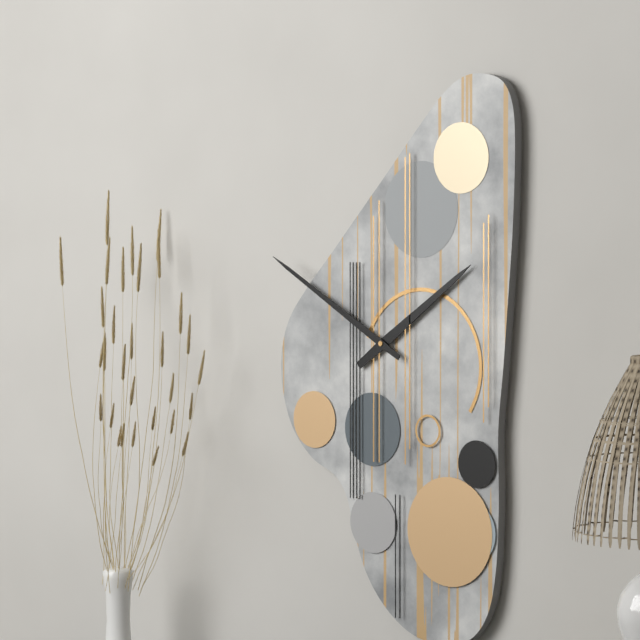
1.50
